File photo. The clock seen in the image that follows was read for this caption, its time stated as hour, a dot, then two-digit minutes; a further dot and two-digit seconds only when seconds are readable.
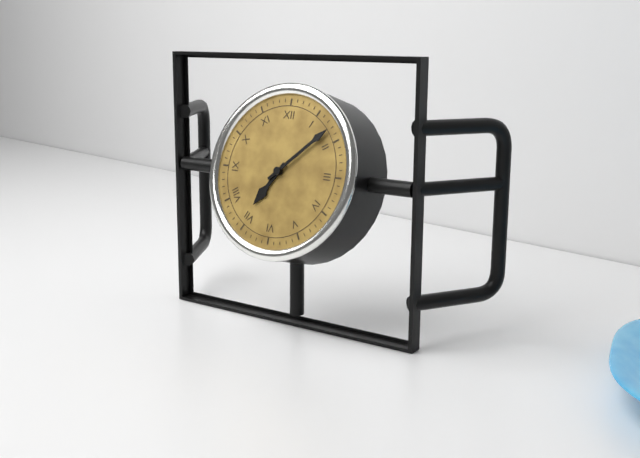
7.08
